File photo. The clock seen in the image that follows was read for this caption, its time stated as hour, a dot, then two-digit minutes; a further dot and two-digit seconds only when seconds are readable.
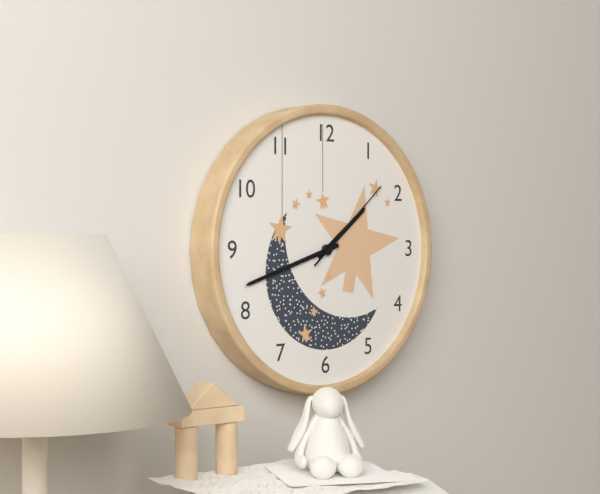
1.42.08
